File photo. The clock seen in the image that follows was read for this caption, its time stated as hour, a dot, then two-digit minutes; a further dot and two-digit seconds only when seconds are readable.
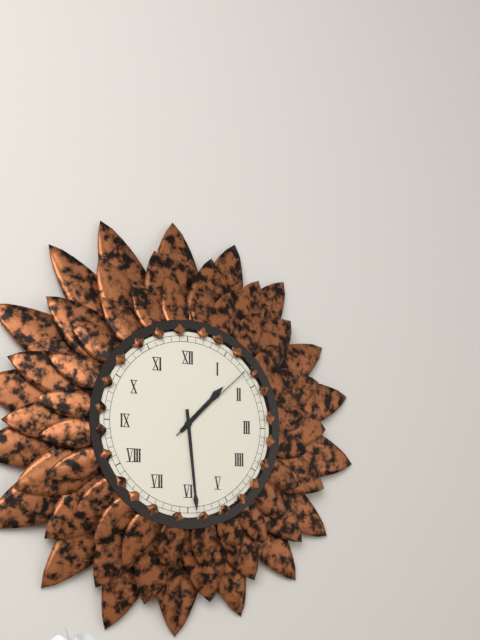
1.29.08
